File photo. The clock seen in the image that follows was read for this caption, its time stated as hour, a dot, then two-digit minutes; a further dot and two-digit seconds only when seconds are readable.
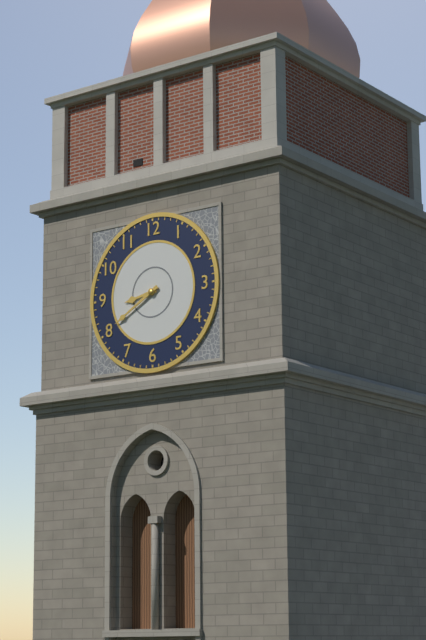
8.40
